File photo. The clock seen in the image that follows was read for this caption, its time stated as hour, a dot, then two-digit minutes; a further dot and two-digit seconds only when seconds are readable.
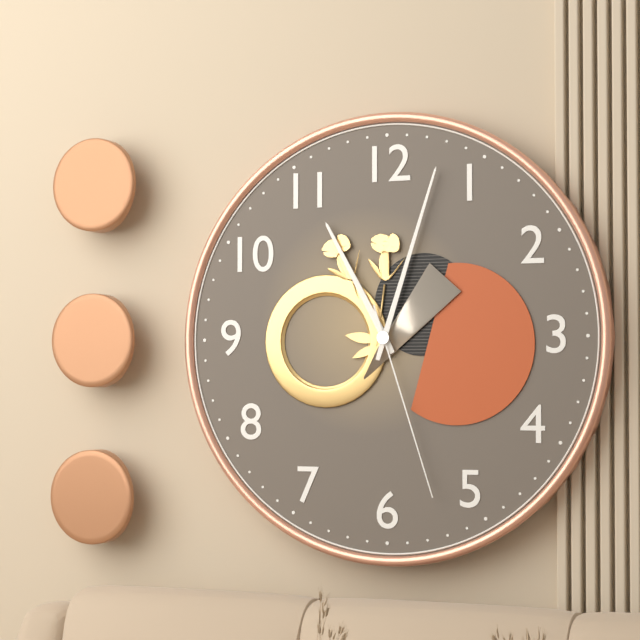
11.03.27
